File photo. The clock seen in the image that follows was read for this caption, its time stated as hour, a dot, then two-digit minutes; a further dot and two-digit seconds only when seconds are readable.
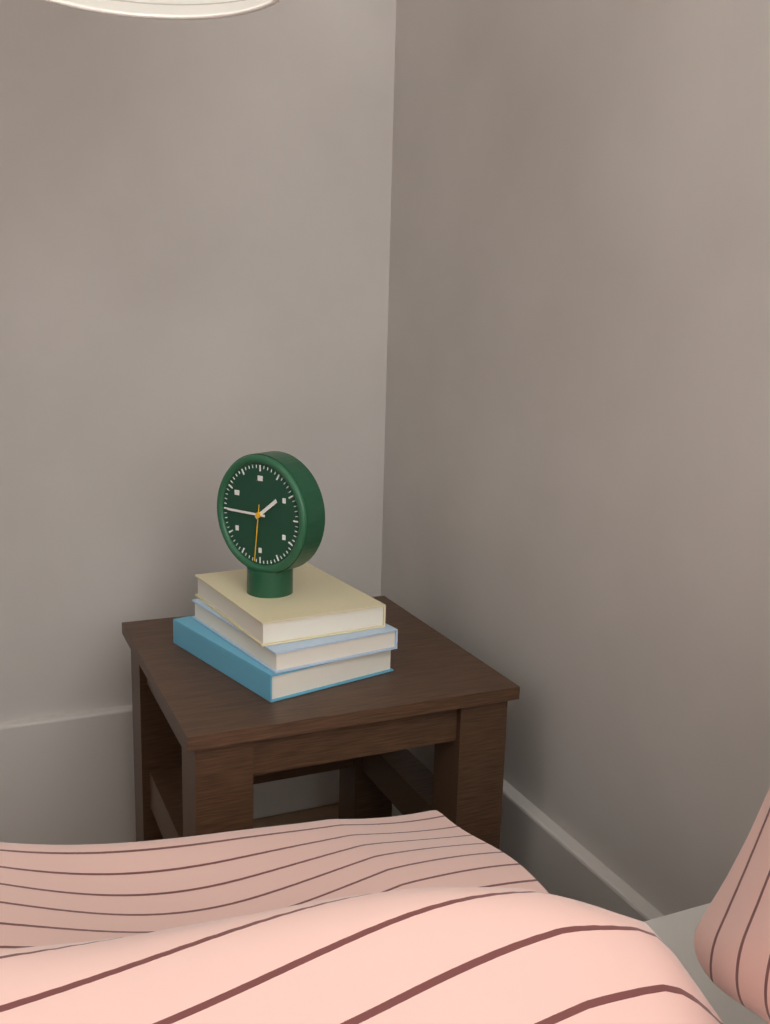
1.45.31
